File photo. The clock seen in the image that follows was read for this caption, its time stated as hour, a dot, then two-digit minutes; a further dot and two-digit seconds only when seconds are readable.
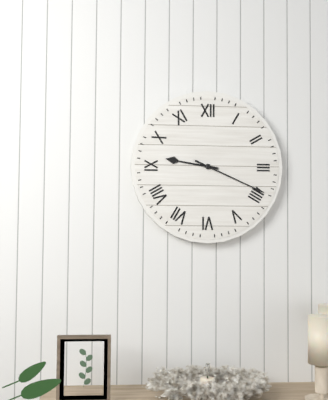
9.19
